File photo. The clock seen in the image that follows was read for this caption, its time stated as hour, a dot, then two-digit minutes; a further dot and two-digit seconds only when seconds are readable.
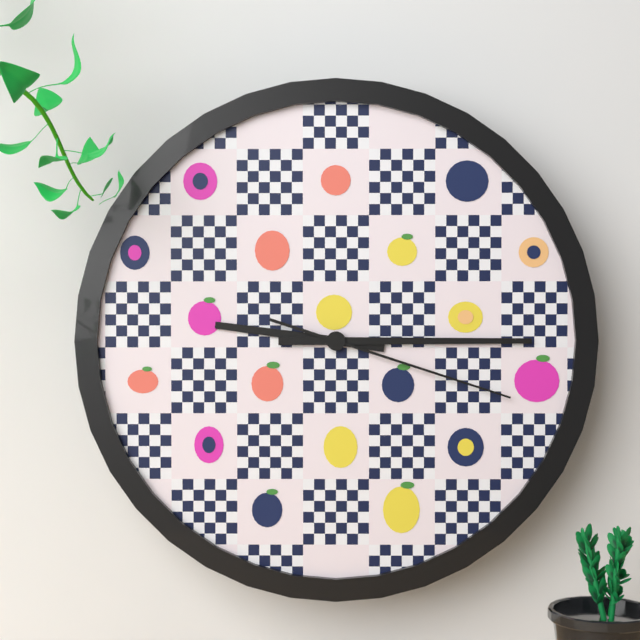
9.15.18
